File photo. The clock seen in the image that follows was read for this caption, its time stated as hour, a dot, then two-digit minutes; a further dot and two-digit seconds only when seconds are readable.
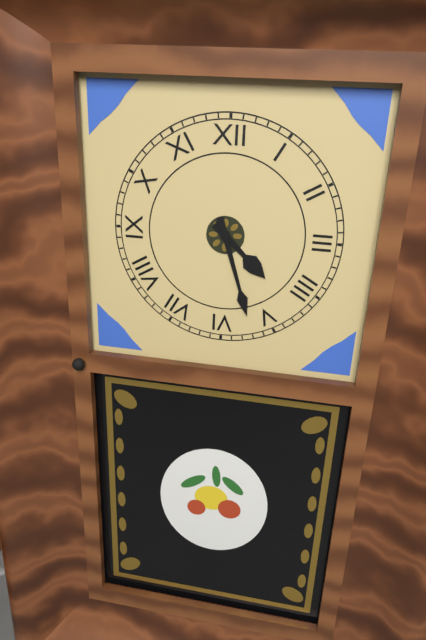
4.27
